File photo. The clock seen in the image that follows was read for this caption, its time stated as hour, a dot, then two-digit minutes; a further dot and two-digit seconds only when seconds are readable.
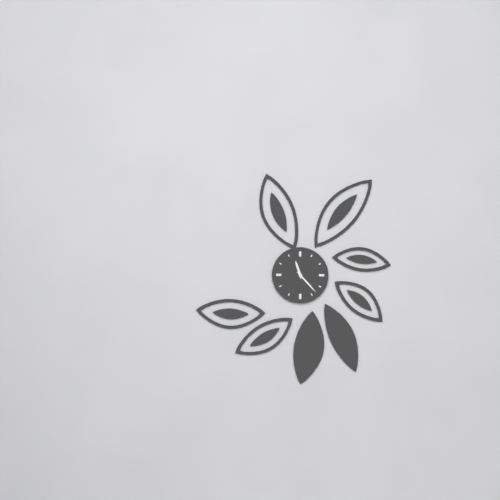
11.23
